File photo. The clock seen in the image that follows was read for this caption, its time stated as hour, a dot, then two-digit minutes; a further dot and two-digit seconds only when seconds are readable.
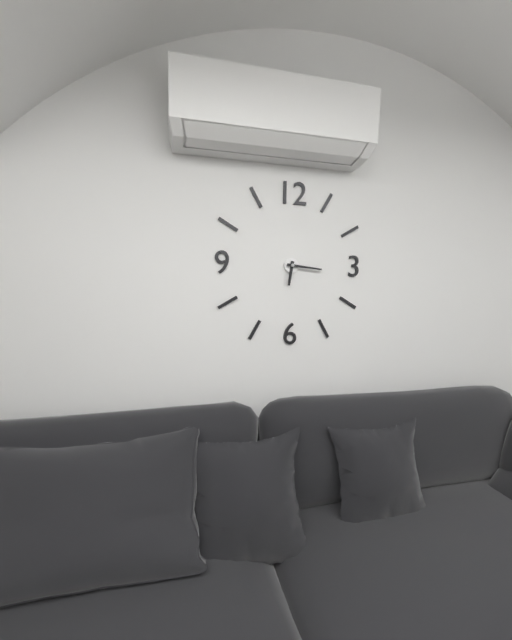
6.16
